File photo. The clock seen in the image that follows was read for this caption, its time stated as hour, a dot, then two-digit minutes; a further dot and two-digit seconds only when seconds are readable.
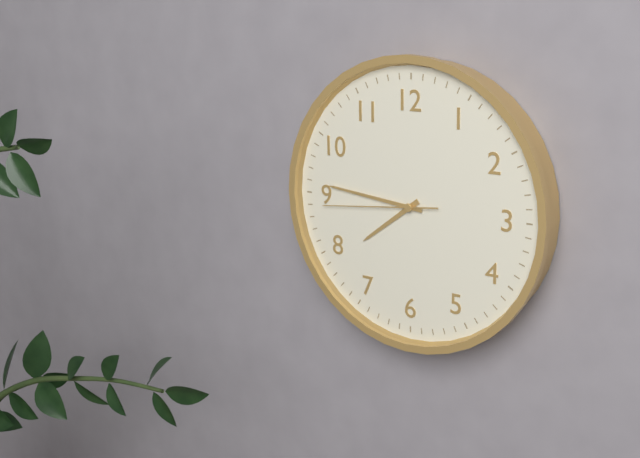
7.46.44
